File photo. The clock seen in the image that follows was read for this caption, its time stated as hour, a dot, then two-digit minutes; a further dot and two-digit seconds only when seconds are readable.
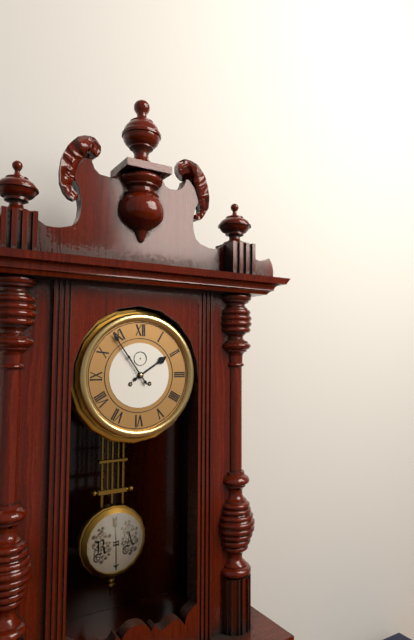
1.54
